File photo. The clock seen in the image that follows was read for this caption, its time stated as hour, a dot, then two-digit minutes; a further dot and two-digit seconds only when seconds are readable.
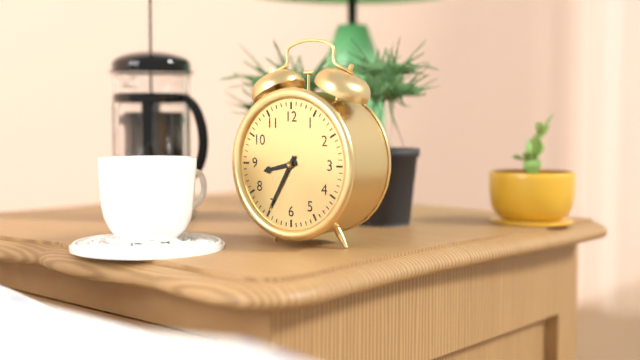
8.35
